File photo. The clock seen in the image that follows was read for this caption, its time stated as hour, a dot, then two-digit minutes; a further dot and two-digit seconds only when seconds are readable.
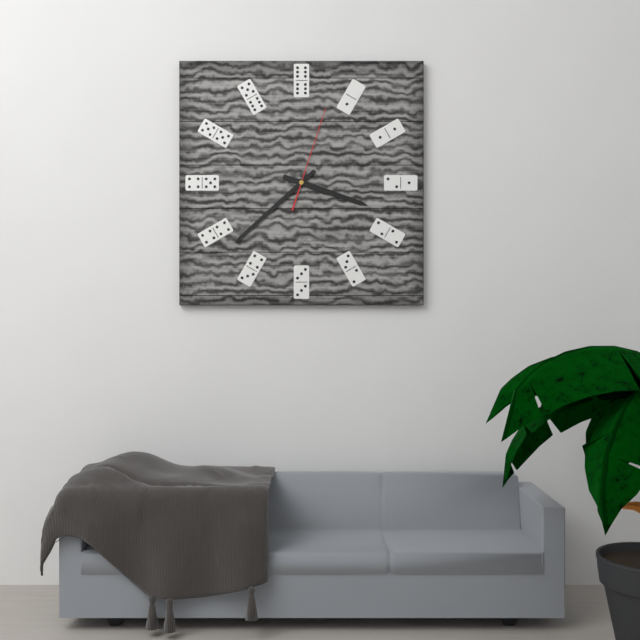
3.38.03
